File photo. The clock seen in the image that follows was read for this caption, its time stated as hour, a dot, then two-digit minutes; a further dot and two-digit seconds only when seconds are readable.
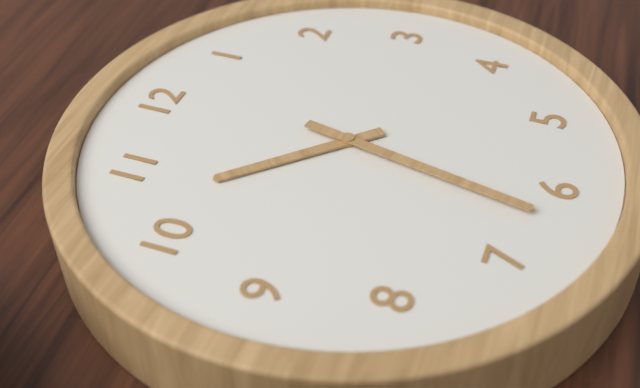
10.32
